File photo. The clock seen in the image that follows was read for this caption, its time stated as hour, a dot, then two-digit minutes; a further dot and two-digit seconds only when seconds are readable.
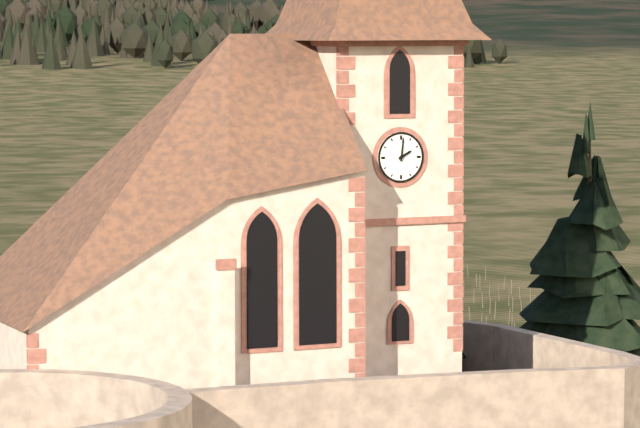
2.01
